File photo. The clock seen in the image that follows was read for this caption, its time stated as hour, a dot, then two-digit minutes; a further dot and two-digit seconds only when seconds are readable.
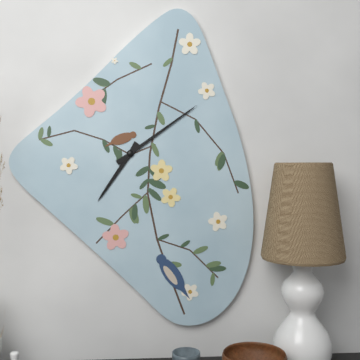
7.09
